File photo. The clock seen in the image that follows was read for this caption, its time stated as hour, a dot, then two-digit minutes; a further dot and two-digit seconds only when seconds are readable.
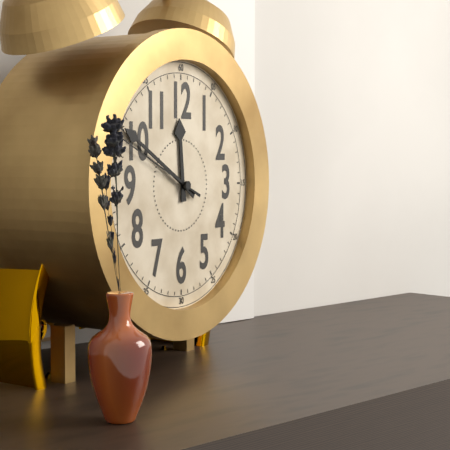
11.50.49
